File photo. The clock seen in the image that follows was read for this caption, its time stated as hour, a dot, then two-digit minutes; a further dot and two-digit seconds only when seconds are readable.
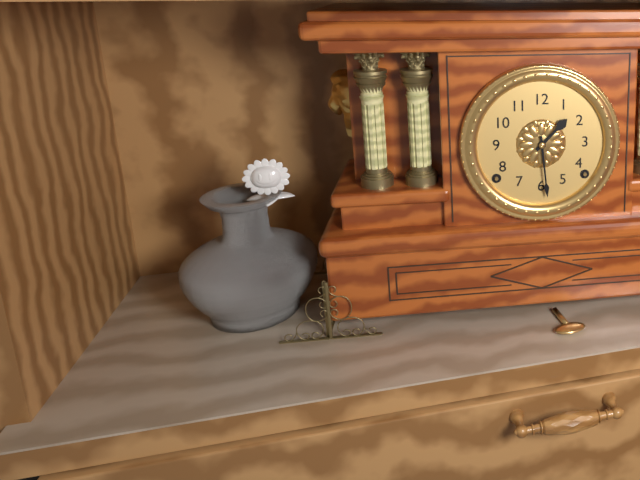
1.29
